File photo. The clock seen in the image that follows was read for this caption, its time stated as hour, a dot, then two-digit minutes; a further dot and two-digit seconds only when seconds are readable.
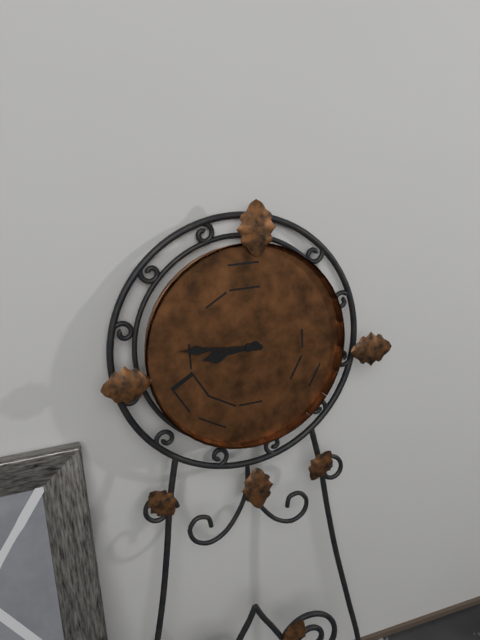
8.46
